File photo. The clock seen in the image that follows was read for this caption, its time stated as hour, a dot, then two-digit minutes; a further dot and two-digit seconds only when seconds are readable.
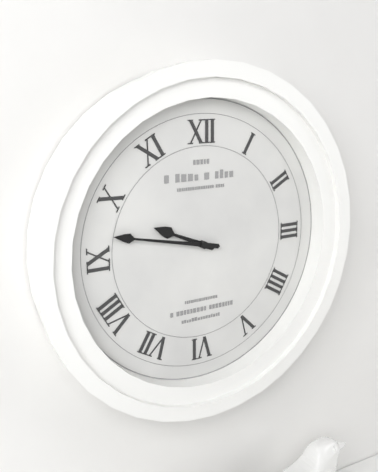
9.47
